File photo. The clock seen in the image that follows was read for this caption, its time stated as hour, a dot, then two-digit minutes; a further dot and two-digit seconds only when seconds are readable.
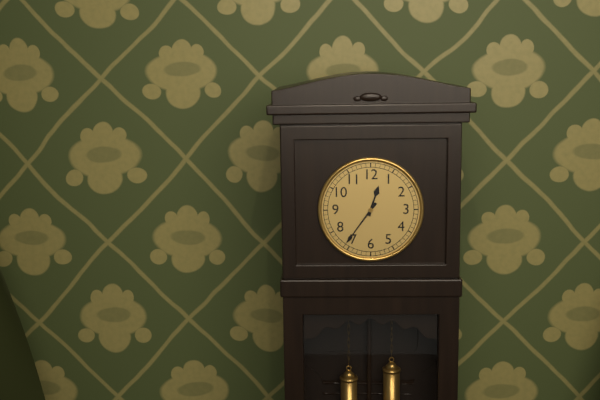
12.36
